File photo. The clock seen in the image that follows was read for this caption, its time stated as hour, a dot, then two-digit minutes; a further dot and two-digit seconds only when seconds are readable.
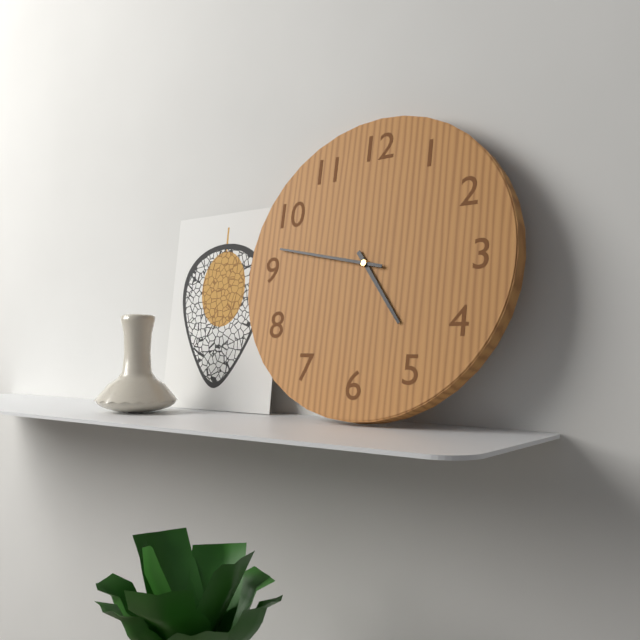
4.47
